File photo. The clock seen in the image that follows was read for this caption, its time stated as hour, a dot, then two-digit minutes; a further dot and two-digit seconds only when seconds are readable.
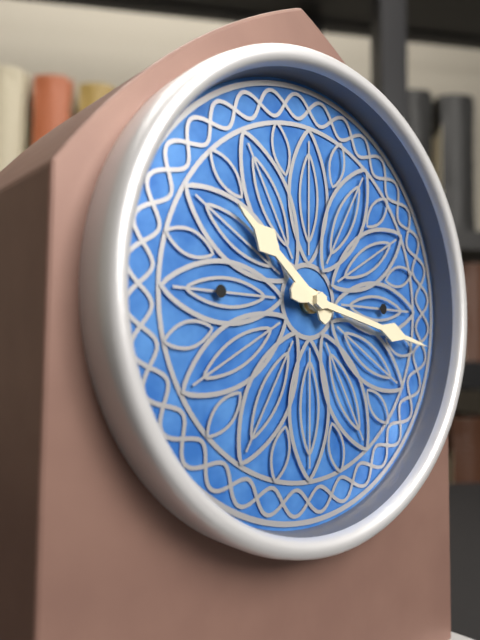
10.17
